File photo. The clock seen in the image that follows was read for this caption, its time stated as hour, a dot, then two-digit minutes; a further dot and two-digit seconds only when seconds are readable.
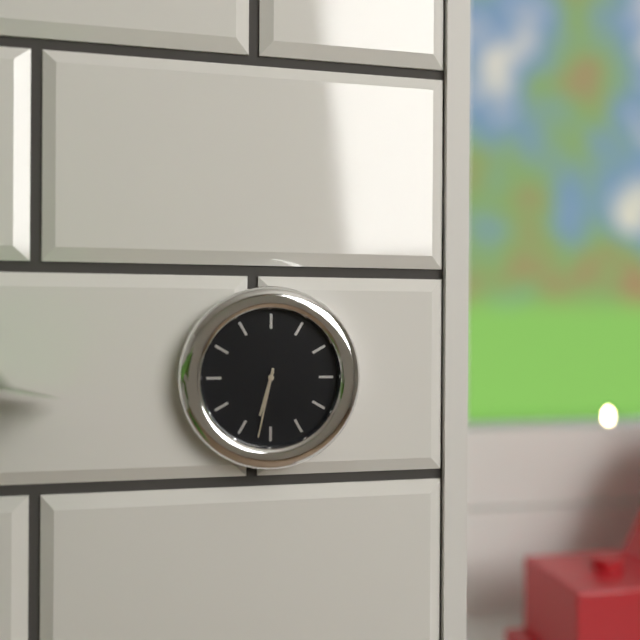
6.32
